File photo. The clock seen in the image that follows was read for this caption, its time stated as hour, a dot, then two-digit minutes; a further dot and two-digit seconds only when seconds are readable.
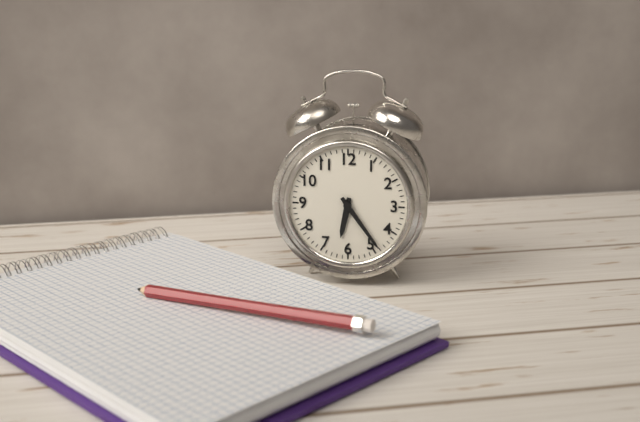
6.24
